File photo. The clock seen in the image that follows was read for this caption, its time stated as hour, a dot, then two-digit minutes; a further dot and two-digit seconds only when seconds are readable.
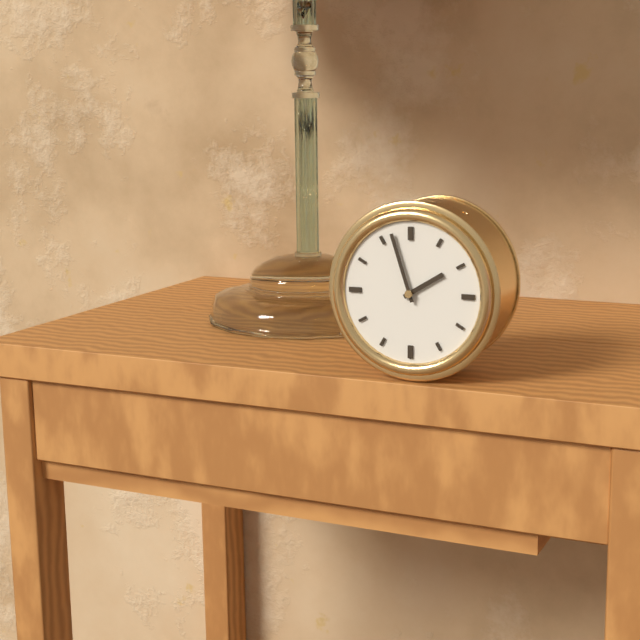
1.57
